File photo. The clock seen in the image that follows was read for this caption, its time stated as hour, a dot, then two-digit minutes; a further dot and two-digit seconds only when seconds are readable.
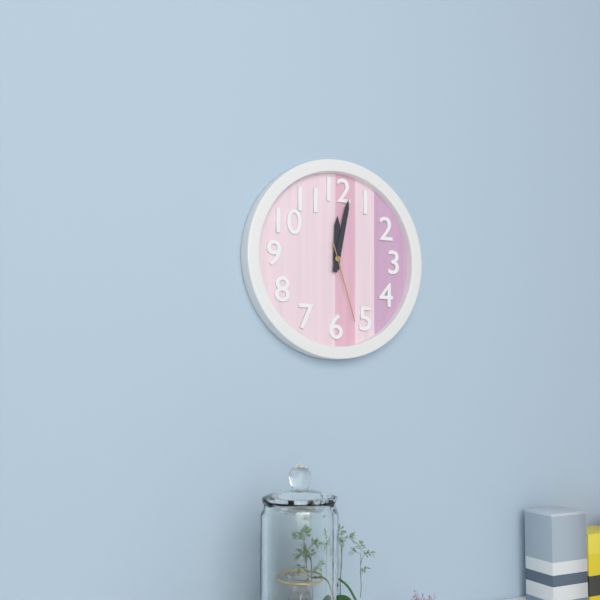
12.02.27
